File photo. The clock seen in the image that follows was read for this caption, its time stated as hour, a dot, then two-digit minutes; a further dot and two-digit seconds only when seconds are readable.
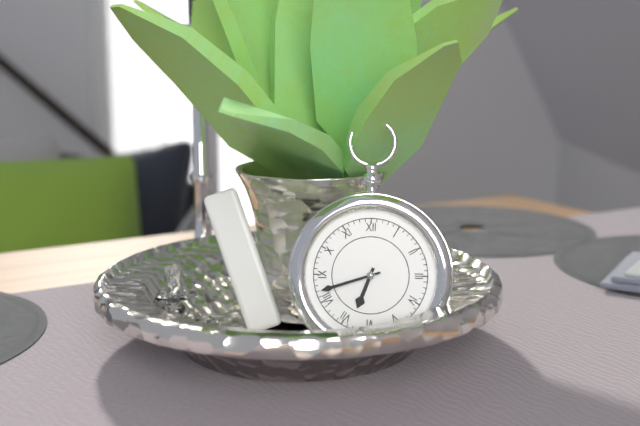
6.42
